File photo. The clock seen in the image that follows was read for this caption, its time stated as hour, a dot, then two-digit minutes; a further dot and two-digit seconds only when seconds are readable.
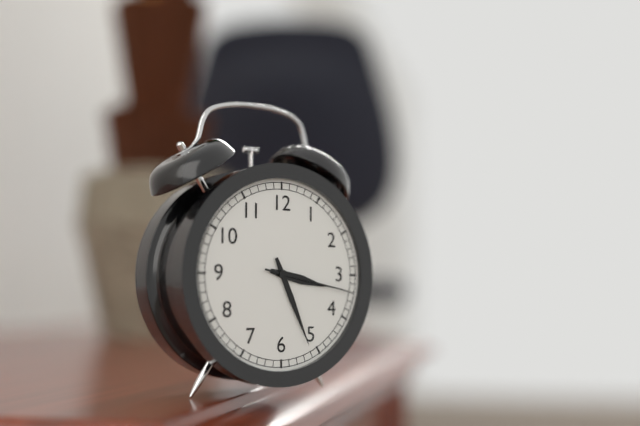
3.26.17
